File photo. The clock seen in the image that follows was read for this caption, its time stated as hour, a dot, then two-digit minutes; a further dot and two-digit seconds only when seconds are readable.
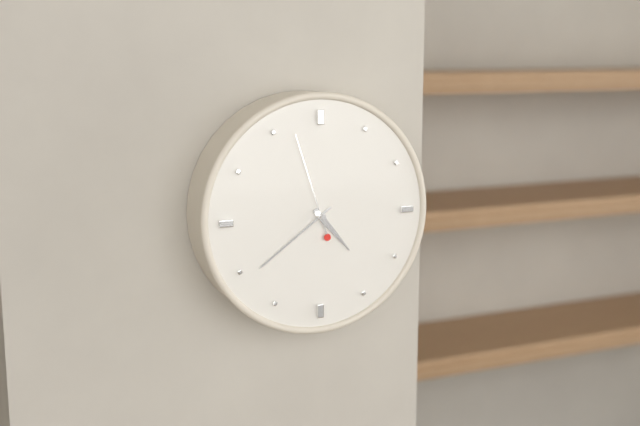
4.39.57
